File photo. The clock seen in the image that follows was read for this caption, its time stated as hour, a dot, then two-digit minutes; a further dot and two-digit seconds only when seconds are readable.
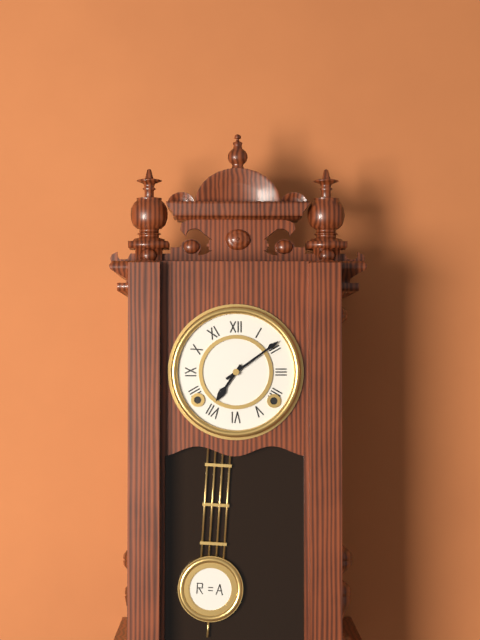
7.09
